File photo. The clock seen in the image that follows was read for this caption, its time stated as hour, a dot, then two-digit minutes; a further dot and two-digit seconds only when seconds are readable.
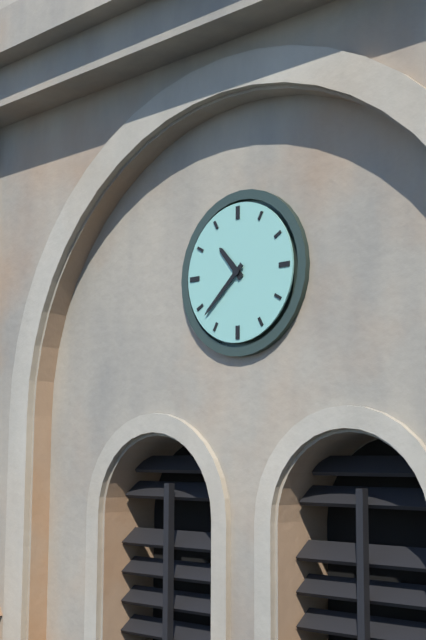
10.38
